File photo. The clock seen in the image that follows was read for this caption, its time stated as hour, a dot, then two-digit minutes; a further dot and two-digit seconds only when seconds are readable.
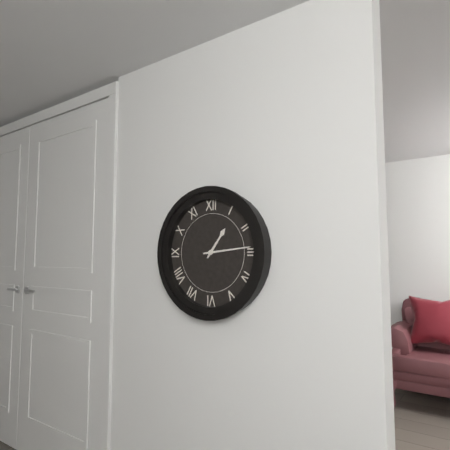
1.14
